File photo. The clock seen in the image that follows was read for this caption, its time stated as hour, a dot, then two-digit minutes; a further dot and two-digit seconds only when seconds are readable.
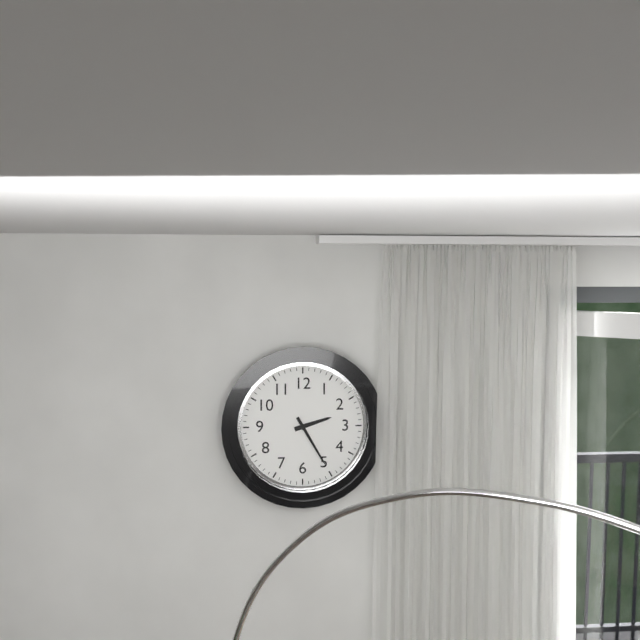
2.25
